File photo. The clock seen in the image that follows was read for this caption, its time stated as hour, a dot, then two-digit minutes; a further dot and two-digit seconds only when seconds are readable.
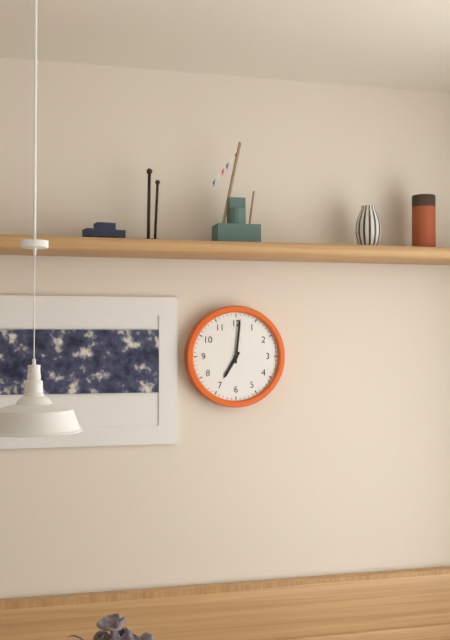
7.01
